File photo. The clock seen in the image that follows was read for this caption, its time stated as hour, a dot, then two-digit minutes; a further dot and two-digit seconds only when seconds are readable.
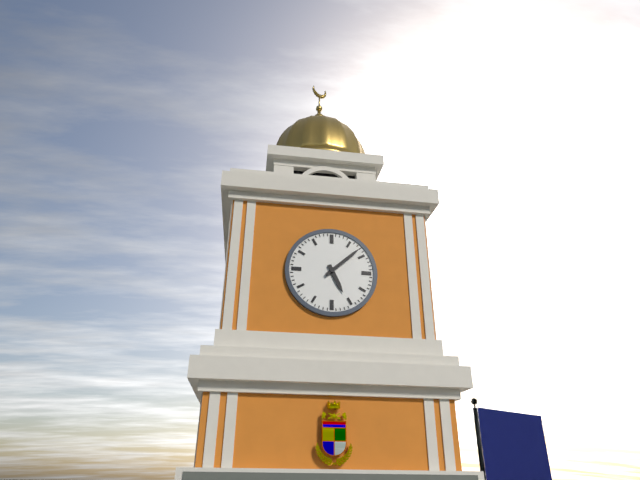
5.08
